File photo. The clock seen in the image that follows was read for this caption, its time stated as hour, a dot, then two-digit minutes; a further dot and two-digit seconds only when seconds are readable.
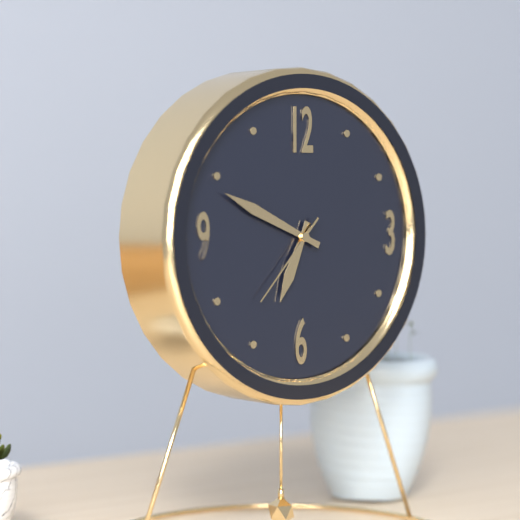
6.49.37
